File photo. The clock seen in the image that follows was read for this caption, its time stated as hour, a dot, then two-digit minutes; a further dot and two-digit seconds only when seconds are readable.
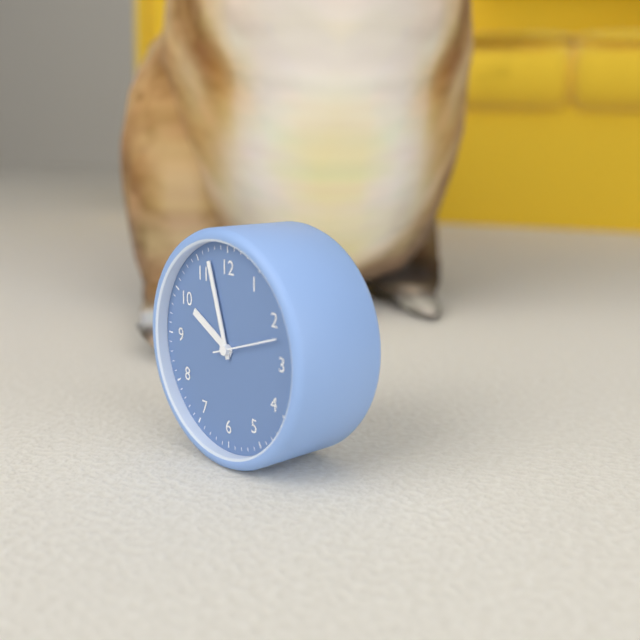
9.57
